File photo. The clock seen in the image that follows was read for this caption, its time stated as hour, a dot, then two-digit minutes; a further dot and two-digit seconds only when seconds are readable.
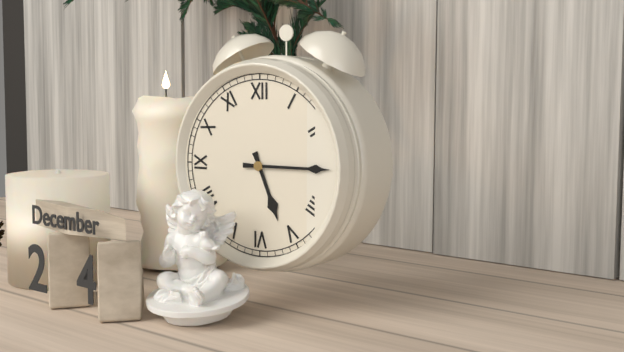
5.15
